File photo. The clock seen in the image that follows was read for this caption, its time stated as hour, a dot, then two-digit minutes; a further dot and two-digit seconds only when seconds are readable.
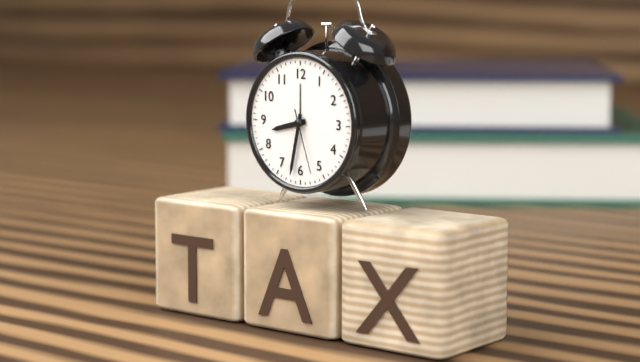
8.32.27
